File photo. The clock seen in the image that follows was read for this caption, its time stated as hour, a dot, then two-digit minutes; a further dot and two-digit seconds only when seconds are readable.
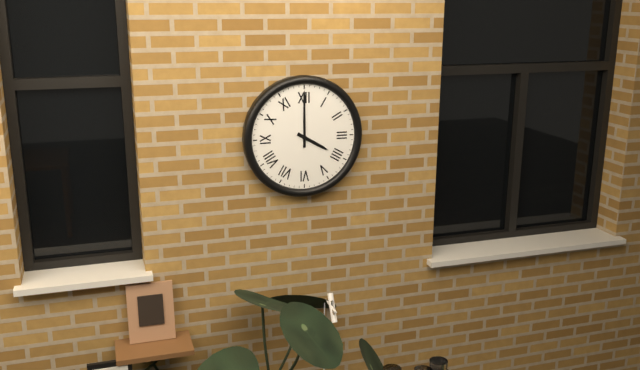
4.00
